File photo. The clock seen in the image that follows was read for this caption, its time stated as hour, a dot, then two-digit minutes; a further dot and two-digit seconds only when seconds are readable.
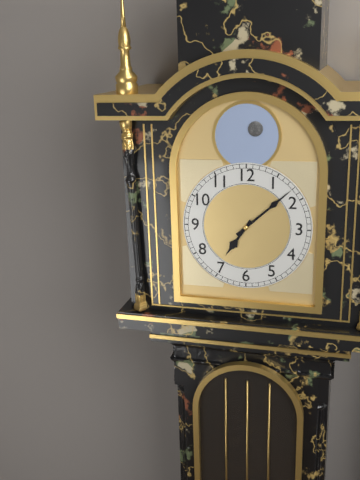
7.08
